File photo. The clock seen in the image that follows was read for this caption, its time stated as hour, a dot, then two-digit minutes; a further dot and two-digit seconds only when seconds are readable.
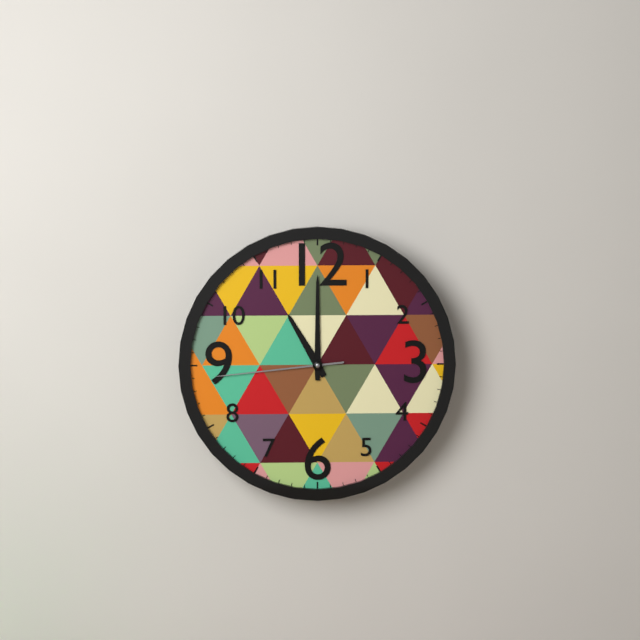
11.00.44
